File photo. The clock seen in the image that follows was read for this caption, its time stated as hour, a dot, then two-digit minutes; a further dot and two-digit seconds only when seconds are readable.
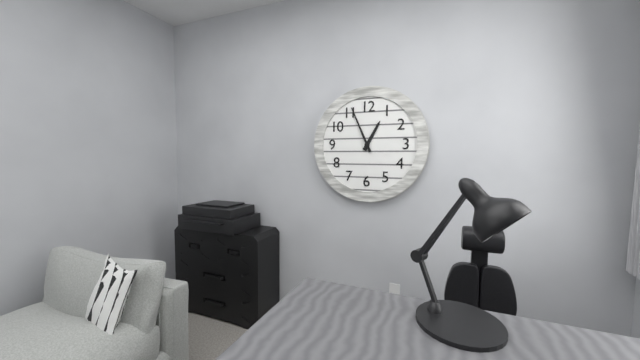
12.56
